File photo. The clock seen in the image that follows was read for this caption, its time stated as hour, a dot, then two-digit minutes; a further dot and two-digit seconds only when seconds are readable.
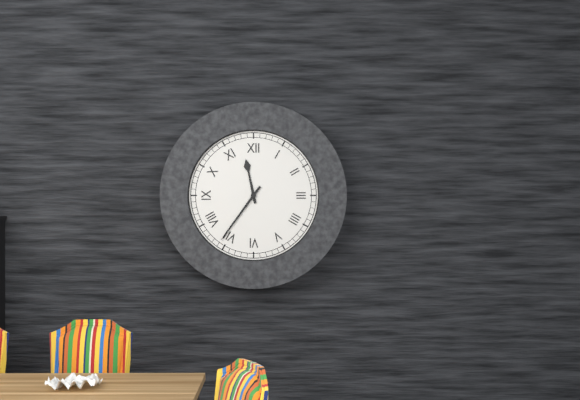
11.36
